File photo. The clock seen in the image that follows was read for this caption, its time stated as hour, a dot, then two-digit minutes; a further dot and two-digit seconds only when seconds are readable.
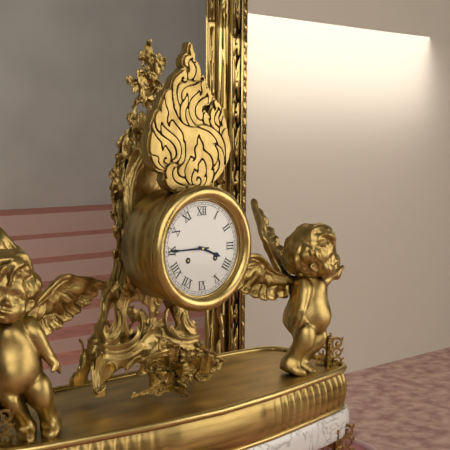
3.45
